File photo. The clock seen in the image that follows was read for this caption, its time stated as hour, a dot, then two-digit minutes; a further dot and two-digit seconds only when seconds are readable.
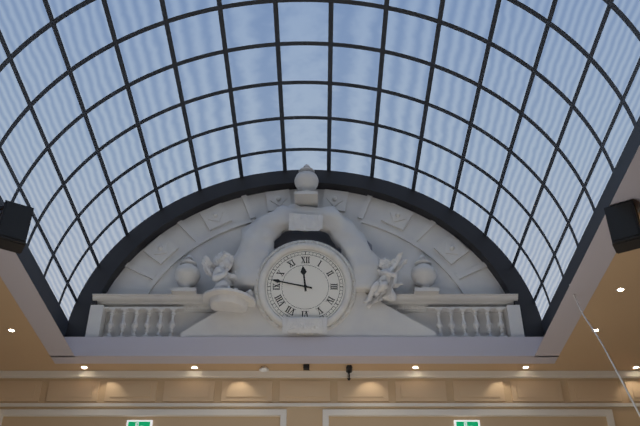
11.47
